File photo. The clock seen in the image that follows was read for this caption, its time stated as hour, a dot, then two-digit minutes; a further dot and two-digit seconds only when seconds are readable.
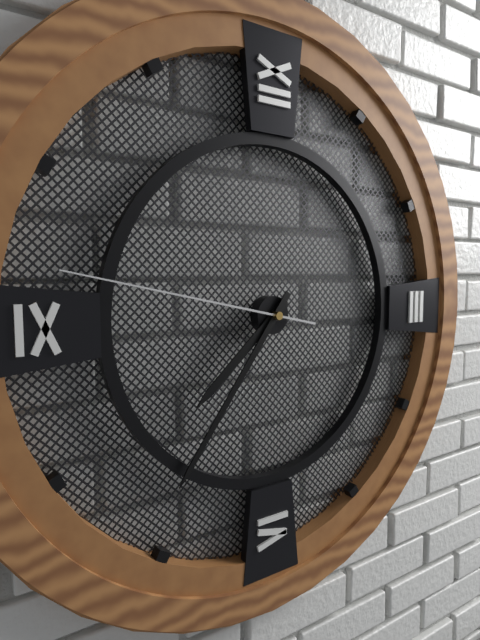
7.36.47
